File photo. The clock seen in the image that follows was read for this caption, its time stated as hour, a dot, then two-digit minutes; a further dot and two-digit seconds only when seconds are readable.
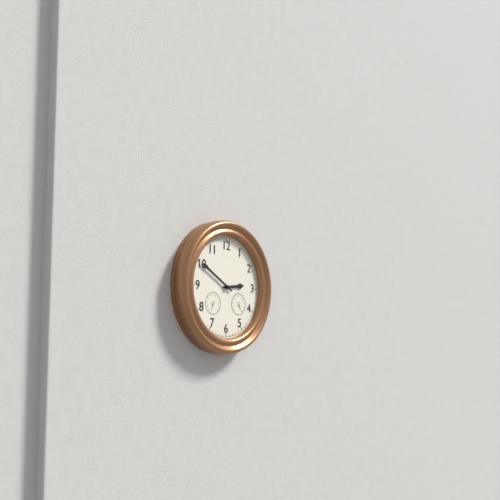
2.50
